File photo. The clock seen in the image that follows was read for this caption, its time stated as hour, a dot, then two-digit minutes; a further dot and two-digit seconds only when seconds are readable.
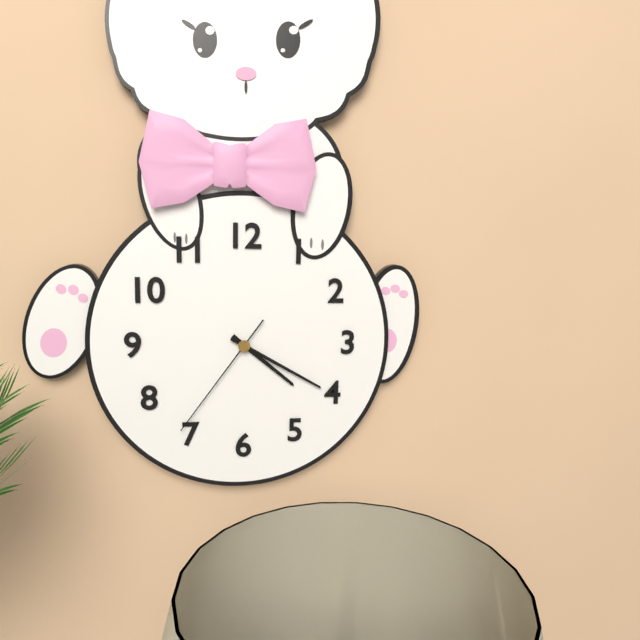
4.20.36
